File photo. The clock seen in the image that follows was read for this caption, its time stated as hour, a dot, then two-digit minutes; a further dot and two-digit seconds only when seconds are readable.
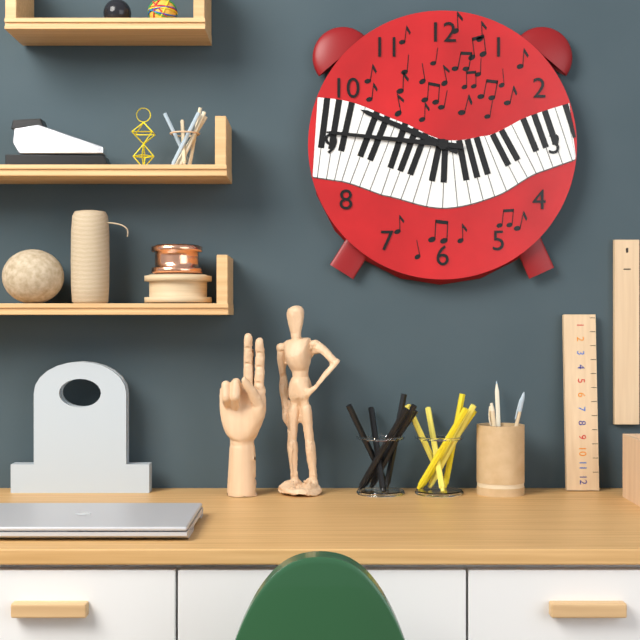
9.46
